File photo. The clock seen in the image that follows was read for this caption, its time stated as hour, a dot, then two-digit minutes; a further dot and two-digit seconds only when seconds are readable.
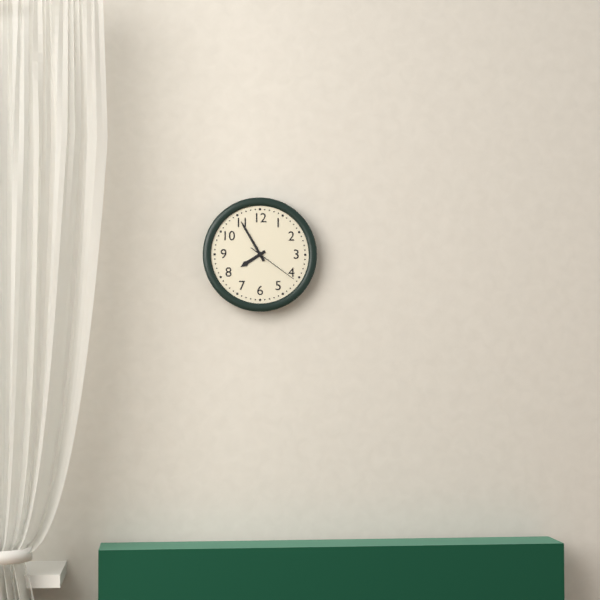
7.55.21
